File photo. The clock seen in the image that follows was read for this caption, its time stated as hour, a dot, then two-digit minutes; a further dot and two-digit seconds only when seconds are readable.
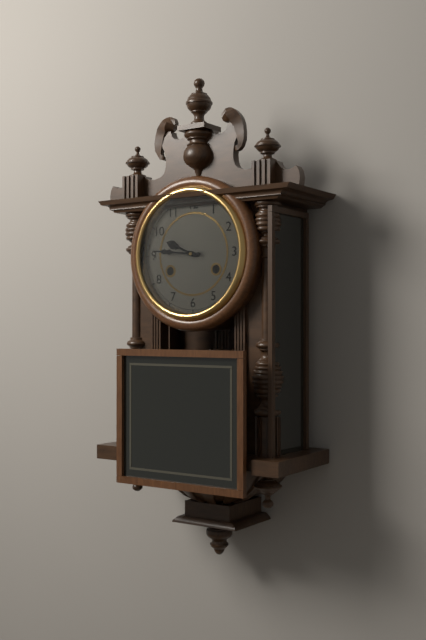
9.46
